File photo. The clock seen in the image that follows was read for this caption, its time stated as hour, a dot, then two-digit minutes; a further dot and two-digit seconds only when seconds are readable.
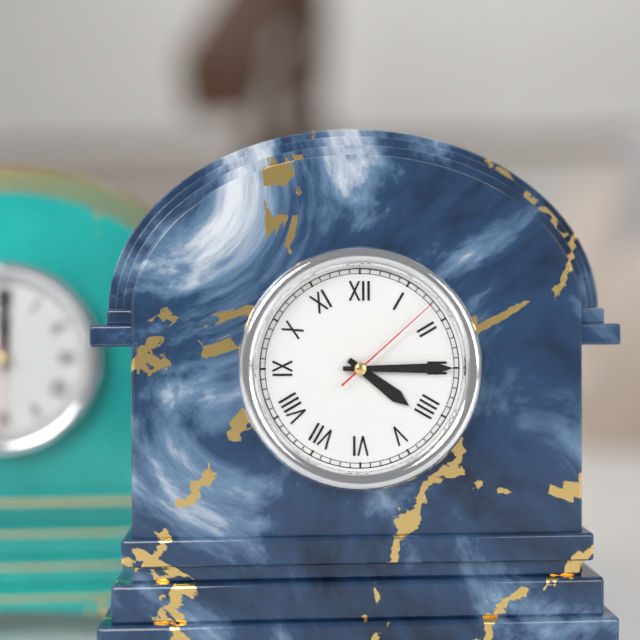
4.15.08
